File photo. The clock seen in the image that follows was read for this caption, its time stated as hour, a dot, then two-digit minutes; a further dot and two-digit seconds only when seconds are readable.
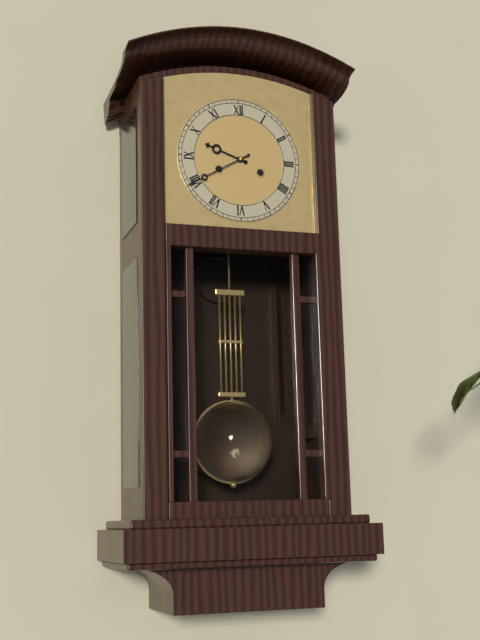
9.40
